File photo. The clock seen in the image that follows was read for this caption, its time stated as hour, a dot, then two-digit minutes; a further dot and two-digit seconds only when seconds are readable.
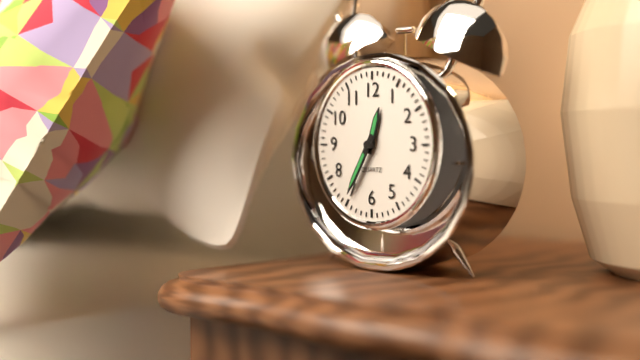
12.35
